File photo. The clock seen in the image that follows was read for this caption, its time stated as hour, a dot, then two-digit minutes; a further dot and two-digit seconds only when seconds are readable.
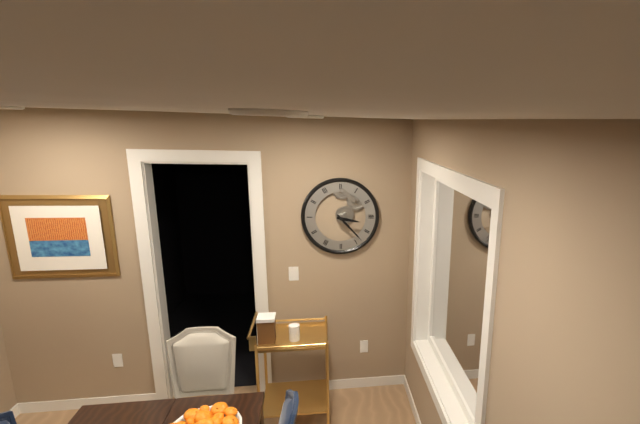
3.23
